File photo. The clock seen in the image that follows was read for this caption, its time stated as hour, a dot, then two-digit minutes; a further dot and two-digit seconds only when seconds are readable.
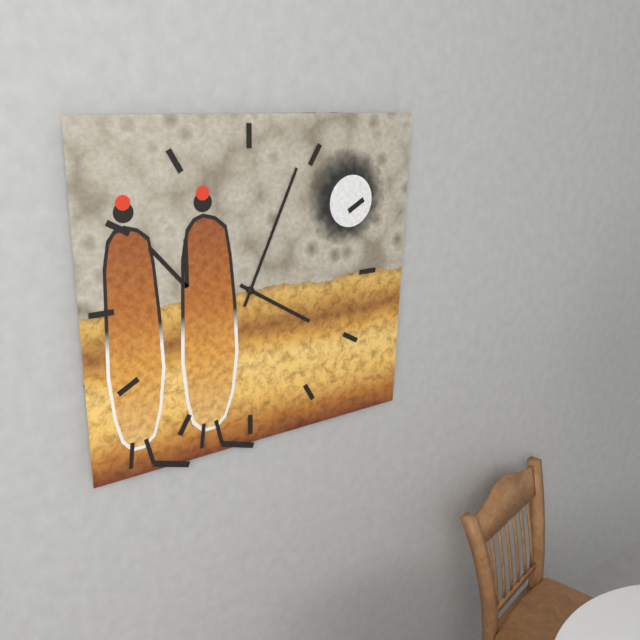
4.04
